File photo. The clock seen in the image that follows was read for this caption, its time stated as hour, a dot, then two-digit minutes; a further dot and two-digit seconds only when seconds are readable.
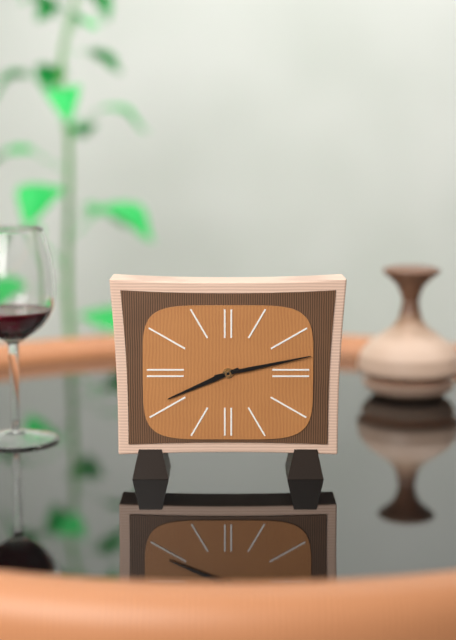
8.13
